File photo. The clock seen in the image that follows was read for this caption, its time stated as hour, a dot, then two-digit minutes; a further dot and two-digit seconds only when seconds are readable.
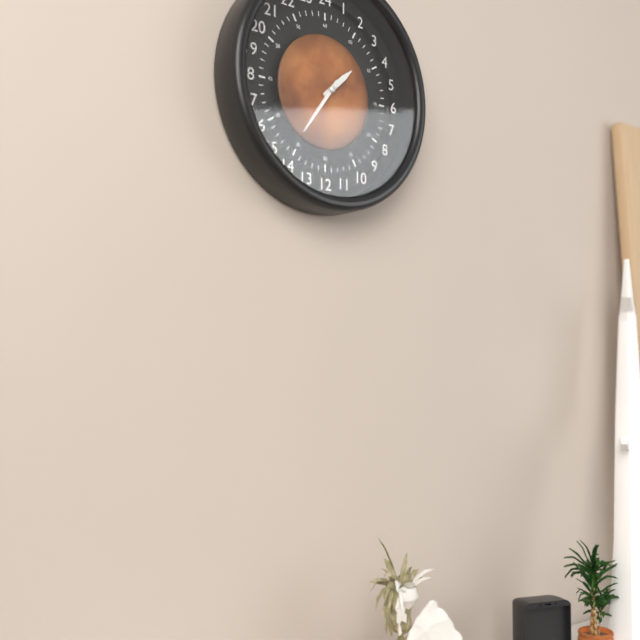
1.36
